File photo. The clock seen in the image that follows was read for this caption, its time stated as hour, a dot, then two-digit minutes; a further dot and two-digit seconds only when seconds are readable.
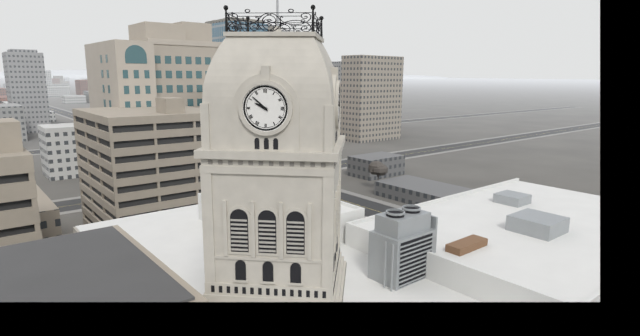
9.52
